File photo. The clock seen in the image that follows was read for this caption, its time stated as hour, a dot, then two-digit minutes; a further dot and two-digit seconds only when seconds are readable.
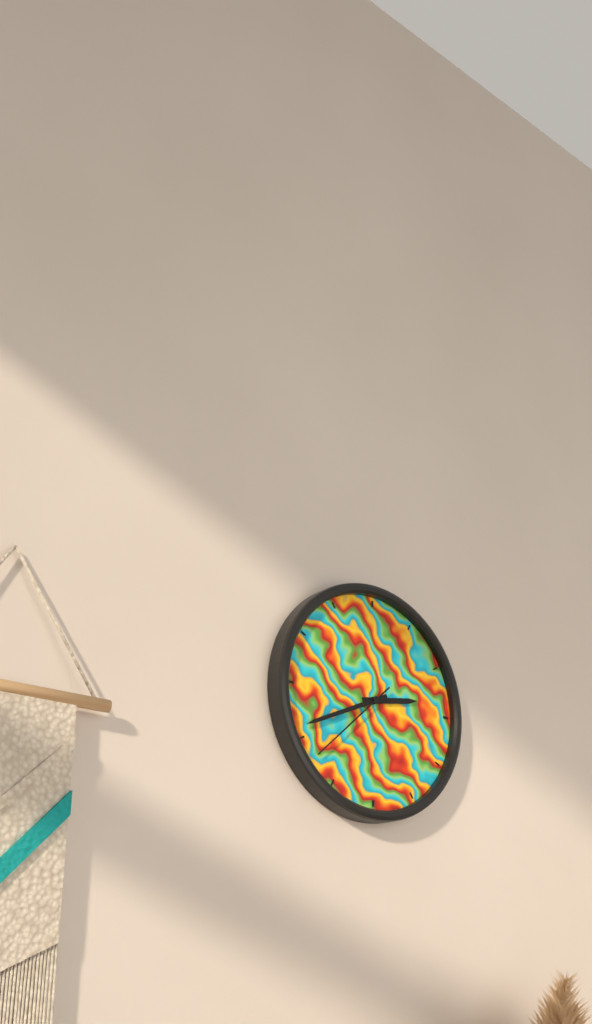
2.41.38
